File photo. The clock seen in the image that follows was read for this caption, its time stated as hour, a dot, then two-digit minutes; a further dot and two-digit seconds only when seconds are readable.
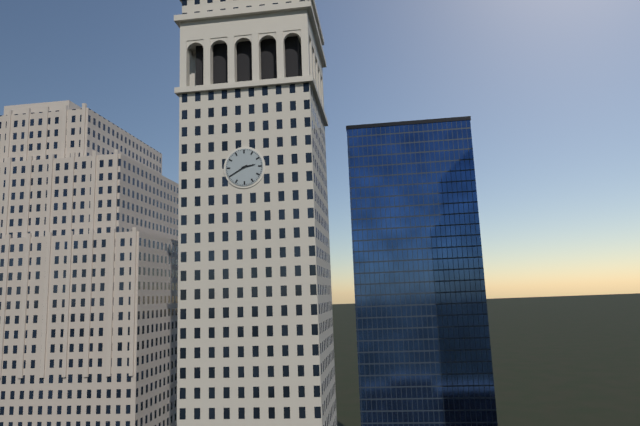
2.40
